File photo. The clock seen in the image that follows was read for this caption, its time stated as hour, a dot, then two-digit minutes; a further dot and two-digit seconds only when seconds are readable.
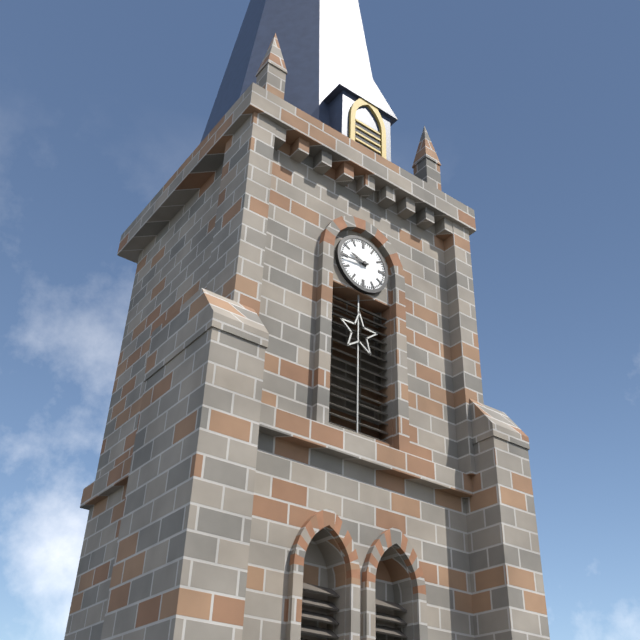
9.44
